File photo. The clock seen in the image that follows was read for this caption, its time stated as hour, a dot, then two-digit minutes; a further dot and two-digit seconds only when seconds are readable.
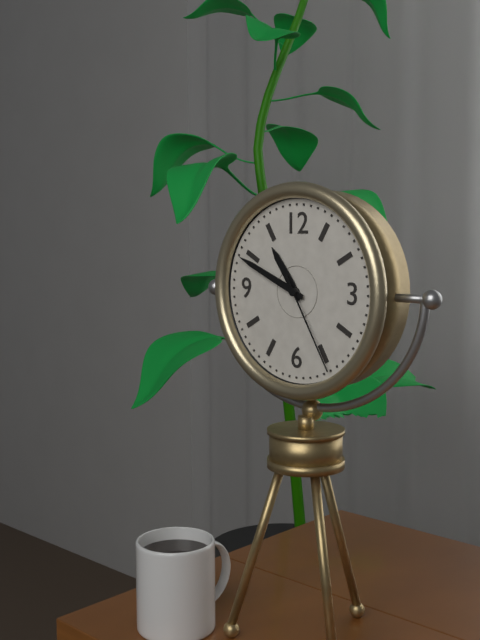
10.49.25
